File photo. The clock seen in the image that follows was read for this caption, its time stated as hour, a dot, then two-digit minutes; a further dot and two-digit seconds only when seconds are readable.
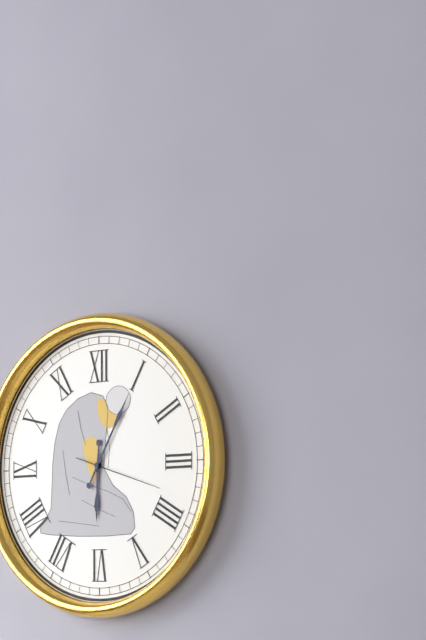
6.05.18
